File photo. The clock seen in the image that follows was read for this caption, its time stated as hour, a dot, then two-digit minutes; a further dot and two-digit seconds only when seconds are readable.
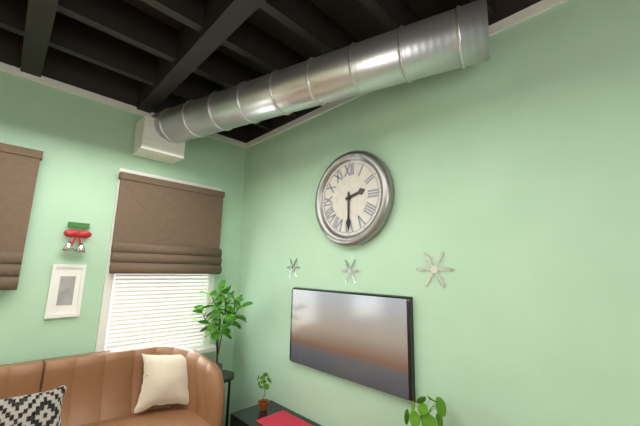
2.30
